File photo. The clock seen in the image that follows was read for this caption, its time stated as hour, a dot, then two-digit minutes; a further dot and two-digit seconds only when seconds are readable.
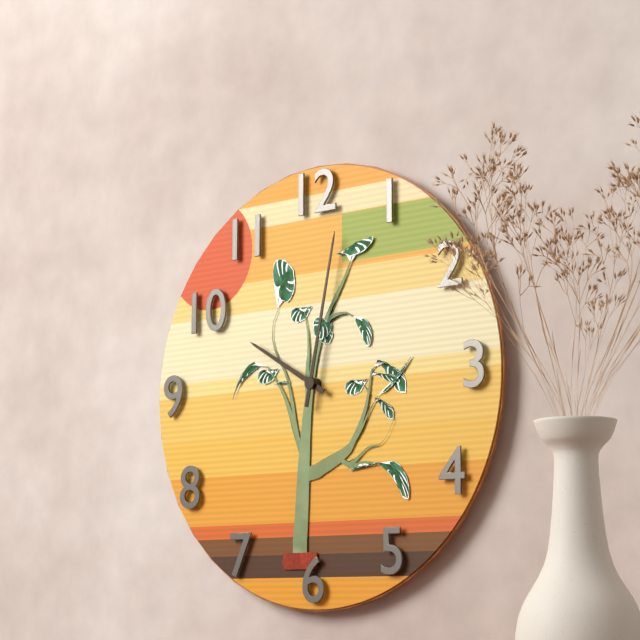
10.02
